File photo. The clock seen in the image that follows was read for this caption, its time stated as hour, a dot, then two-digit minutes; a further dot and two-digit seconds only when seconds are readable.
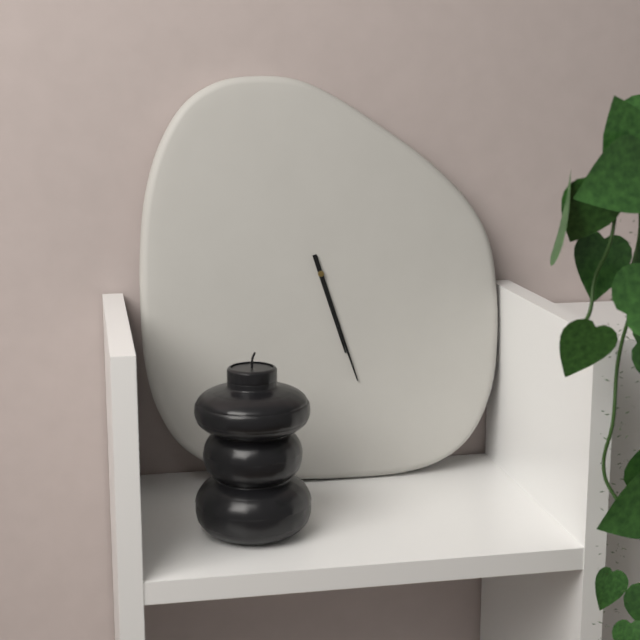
5.27
